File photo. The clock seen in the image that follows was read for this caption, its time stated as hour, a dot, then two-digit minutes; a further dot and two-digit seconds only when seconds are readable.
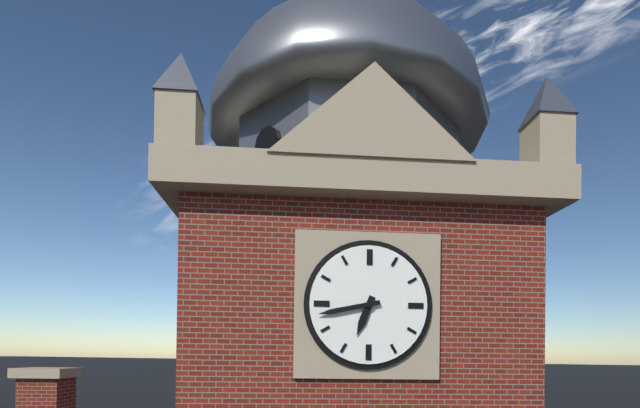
6.43
